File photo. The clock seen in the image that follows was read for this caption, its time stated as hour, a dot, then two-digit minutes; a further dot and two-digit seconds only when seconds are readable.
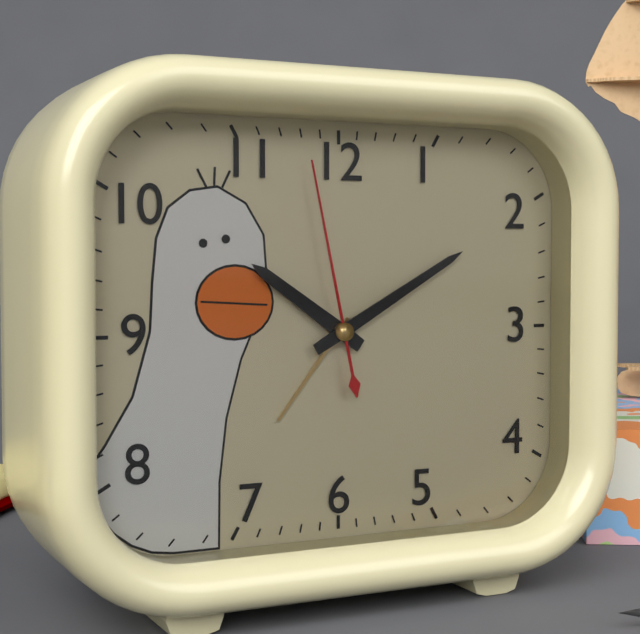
10.10.58
